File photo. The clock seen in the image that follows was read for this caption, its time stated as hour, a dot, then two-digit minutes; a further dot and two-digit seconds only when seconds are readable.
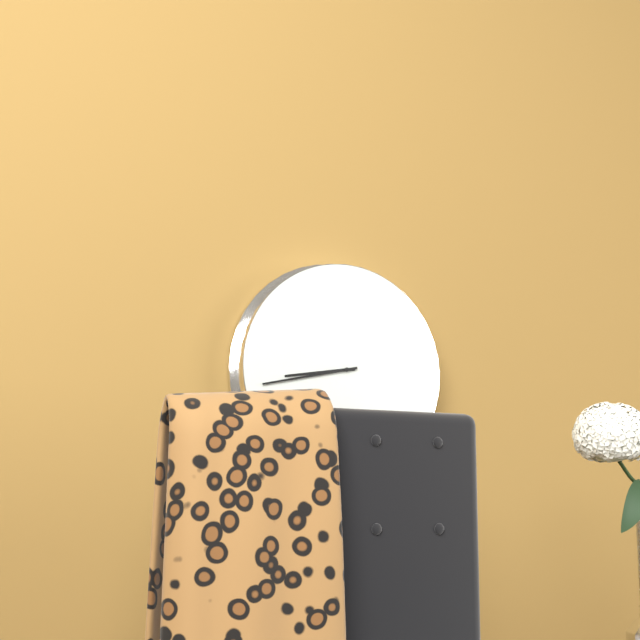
8.43
